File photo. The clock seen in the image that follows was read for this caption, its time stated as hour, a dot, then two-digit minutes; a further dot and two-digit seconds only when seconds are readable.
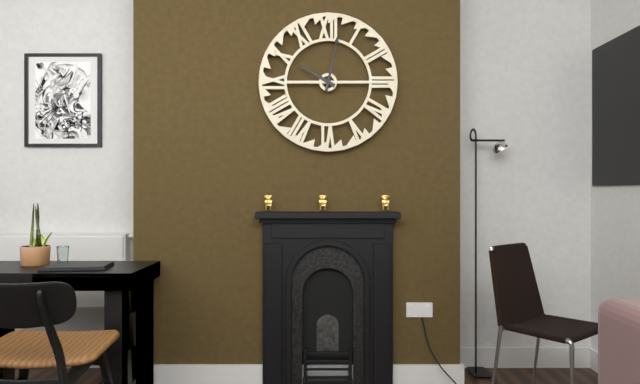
10.02
